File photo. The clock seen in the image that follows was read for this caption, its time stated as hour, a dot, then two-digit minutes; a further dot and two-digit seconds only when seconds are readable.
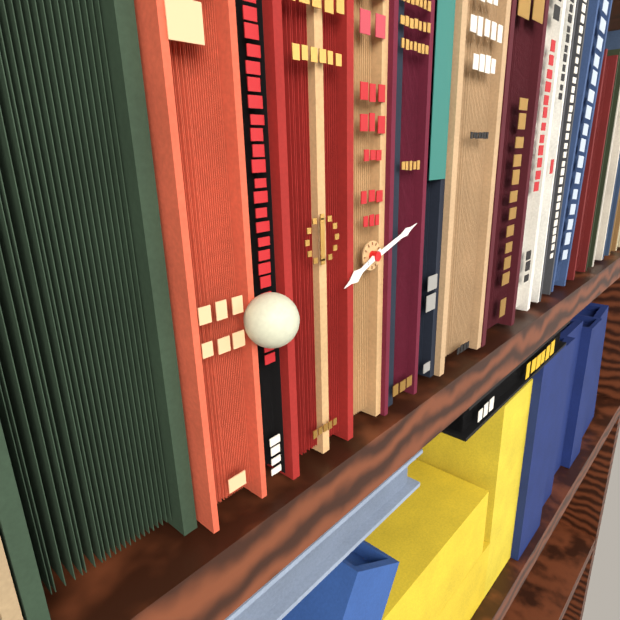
8.12
